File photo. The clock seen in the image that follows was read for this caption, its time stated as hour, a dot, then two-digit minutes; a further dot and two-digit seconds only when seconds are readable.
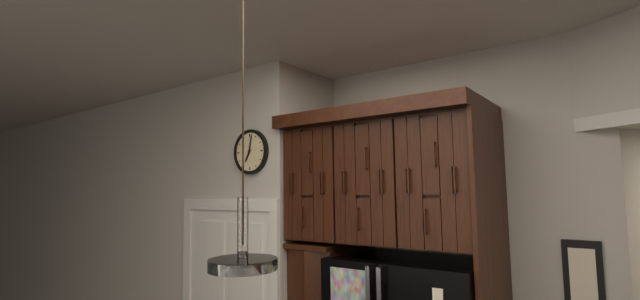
7.02
